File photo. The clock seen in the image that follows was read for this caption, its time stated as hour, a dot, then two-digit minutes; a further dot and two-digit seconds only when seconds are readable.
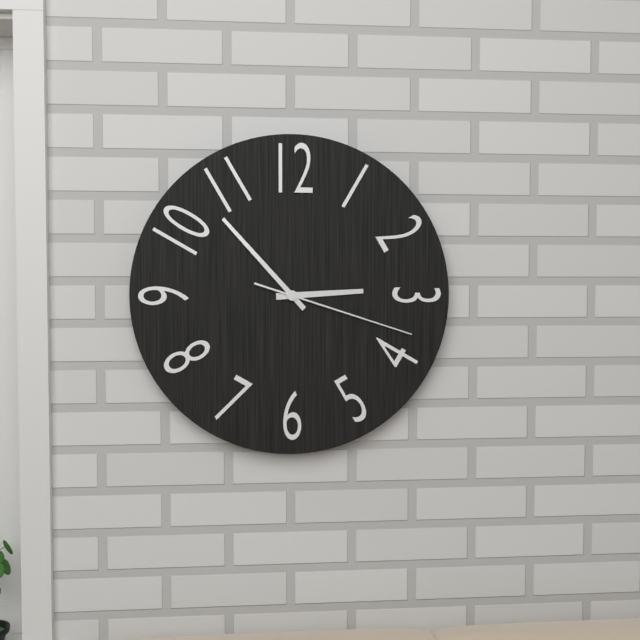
2.53.18
